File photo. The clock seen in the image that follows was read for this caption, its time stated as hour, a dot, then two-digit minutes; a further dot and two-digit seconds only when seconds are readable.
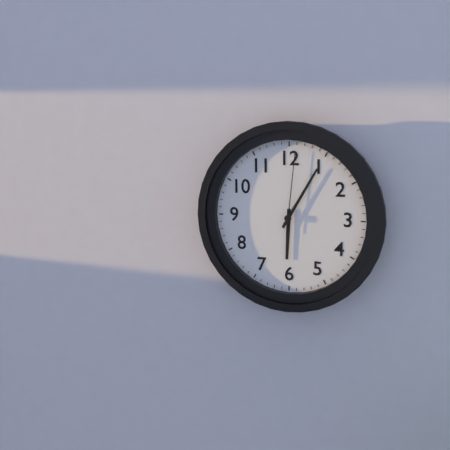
6.05.01
